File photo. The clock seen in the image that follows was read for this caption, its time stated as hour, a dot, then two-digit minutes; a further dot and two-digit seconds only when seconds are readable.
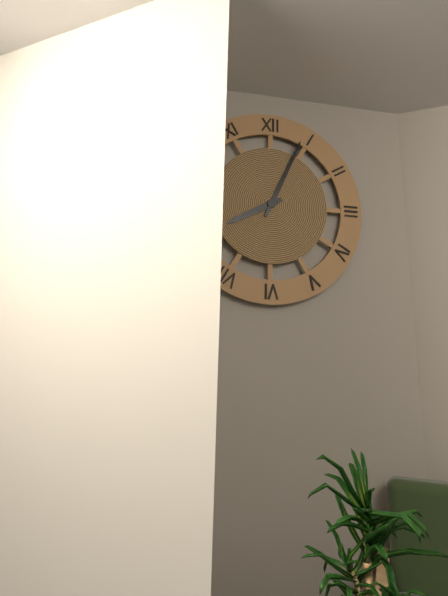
8.04
